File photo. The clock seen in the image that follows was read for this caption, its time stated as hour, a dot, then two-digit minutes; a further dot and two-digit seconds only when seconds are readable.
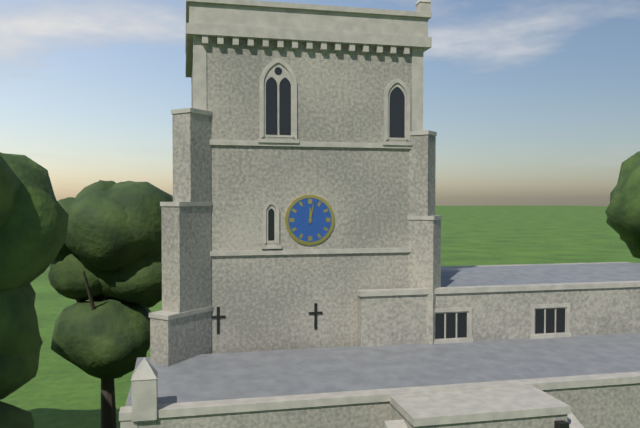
12.02
